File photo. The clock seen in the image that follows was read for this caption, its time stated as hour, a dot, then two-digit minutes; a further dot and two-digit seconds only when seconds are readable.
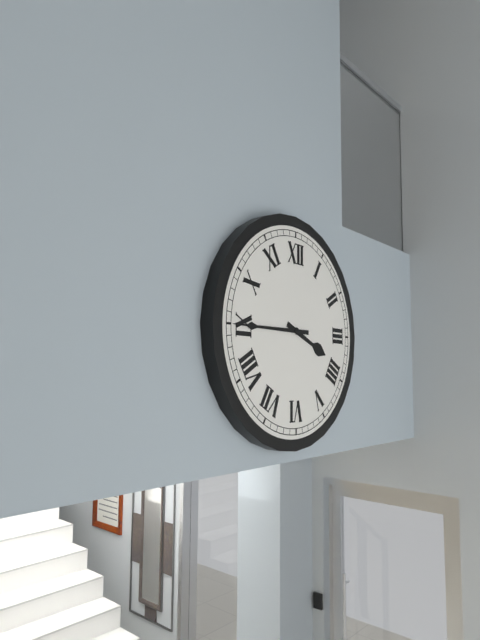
3.45
